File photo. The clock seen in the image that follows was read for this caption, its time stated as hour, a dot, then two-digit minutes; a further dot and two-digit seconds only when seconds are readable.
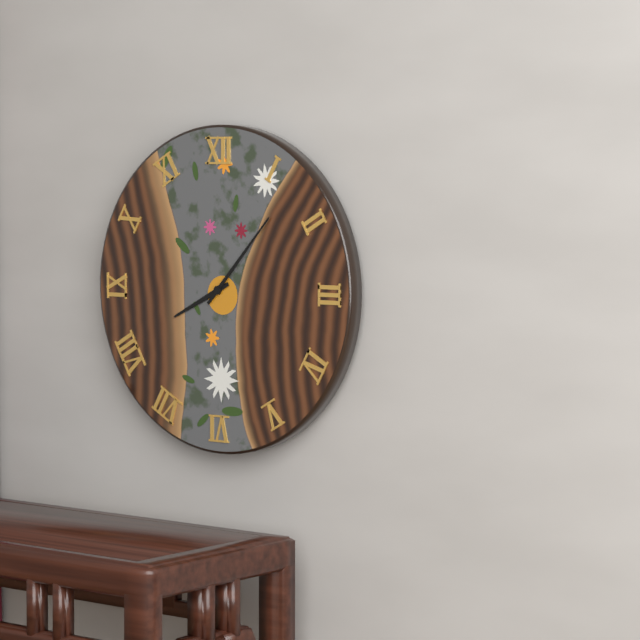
8.07
